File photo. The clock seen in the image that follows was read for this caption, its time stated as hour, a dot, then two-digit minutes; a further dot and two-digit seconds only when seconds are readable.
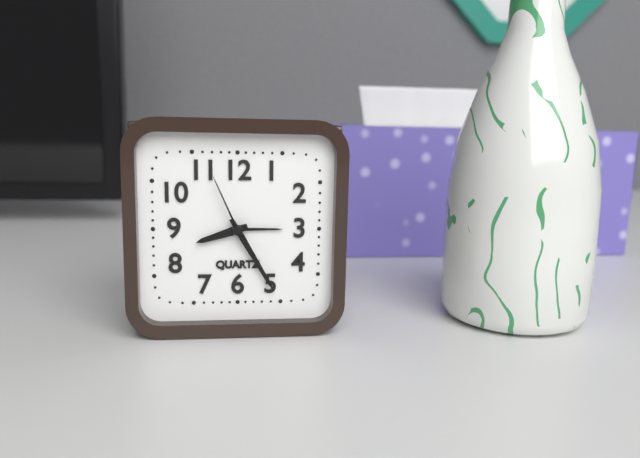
8.25.56
